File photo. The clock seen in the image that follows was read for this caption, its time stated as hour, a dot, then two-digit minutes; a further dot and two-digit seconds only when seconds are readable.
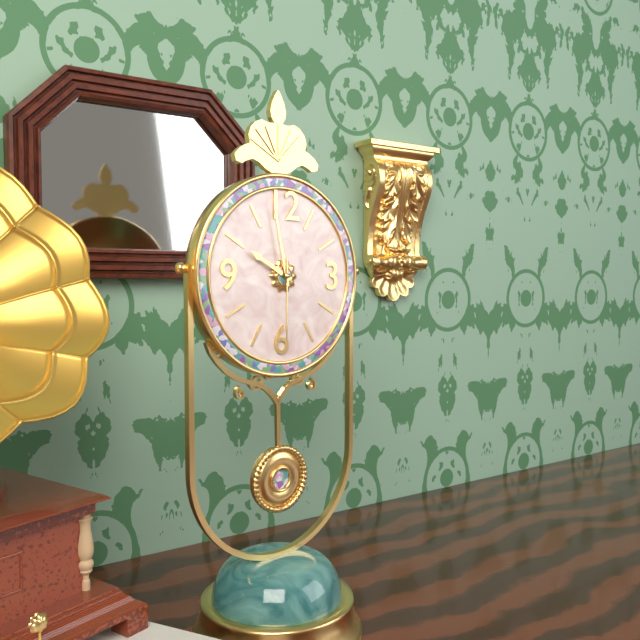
9.58.30
